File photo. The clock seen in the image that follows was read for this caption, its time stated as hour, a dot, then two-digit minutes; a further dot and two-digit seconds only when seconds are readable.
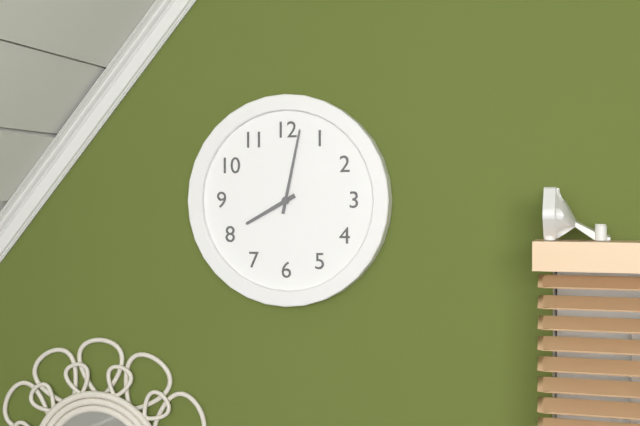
8.02
